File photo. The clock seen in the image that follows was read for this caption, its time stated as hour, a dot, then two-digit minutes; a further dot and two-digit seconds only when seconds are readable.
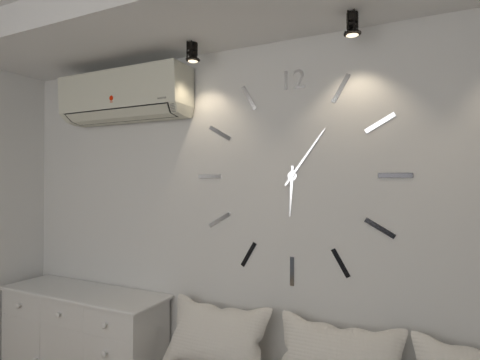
6.06
